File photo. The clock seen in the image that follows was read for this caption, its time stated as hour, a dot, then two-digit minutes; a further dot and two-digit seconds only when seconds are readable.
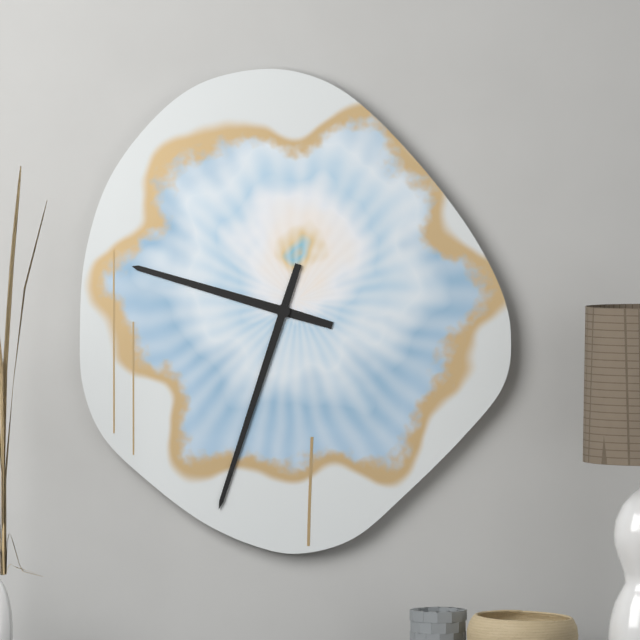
9.33
